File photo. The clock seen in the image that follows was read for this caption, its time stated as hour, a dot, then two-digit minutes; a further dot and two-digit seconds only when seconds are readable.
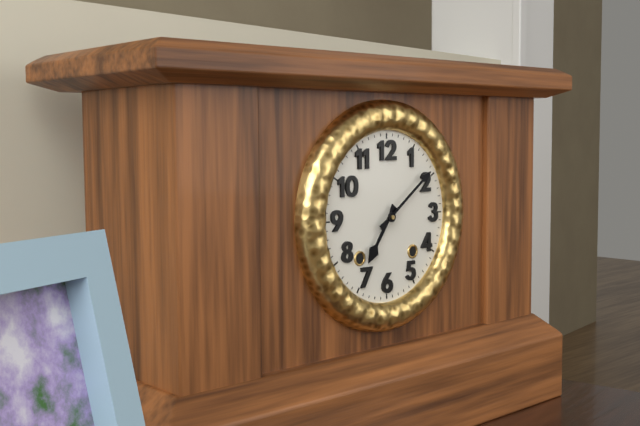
7.09
